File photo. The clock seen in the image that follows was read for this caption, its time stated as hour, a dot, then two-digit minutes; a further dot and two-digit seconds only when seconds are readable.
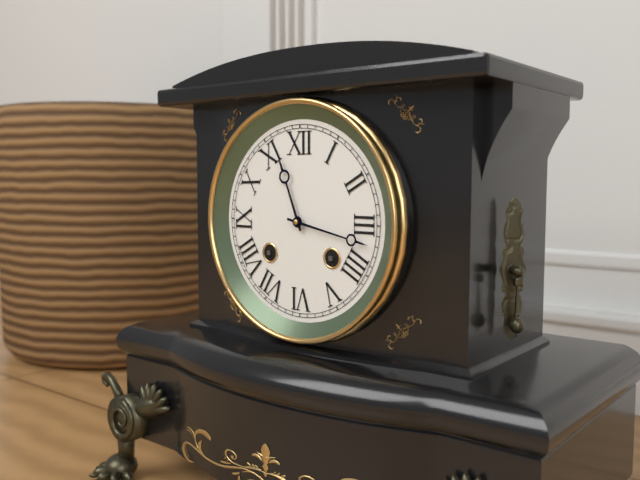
11.17
